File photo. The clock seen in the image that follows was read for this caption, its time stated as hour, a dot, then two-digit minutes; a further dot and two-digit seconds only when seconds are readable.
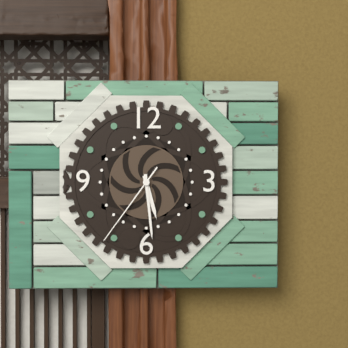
5.29.36
